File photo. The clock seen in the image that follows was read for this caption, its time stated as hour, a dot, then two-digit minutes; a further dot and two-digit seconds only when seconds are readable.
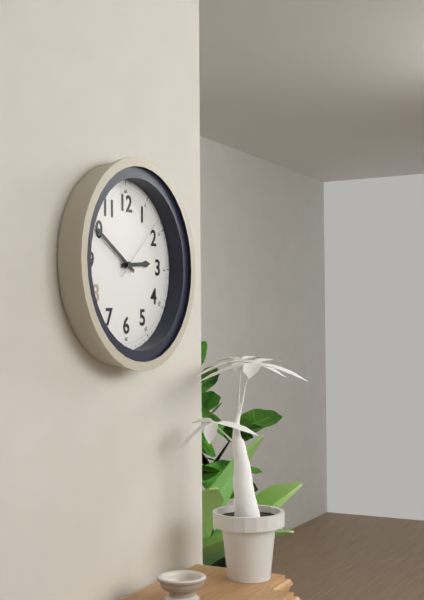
2.50.08
